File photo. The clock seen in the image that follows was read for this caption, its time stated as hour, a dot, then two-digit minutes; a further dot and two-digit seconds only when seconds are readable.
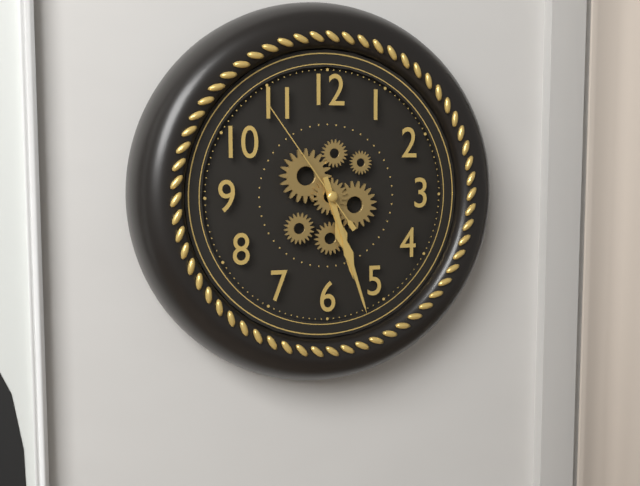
5.27.54
